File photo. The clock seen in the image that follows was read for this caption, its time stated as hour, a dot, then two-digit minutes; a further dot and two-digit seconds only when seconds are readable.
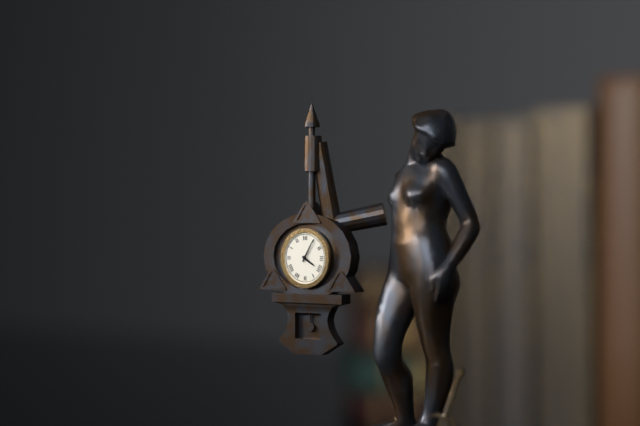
4.05
